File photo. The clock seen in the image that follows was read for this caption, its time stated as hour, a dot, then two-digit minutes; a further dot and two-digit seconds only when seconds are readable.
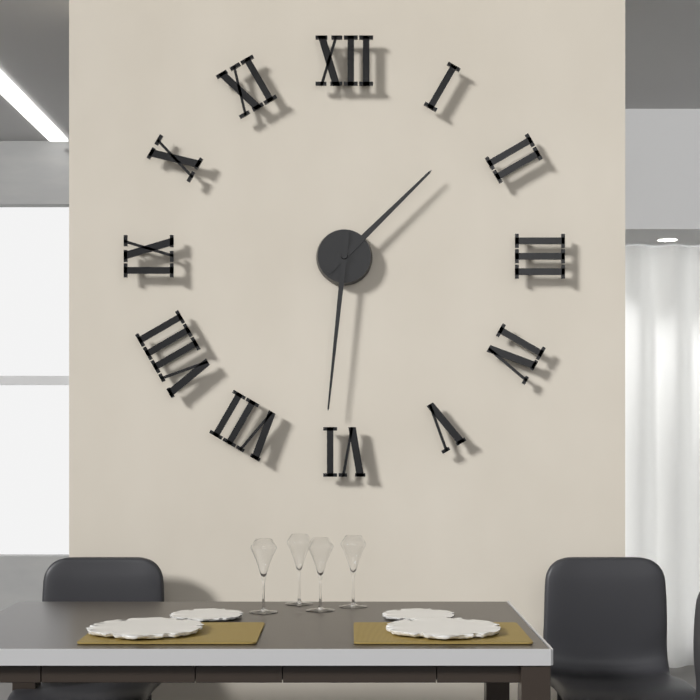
1.31
